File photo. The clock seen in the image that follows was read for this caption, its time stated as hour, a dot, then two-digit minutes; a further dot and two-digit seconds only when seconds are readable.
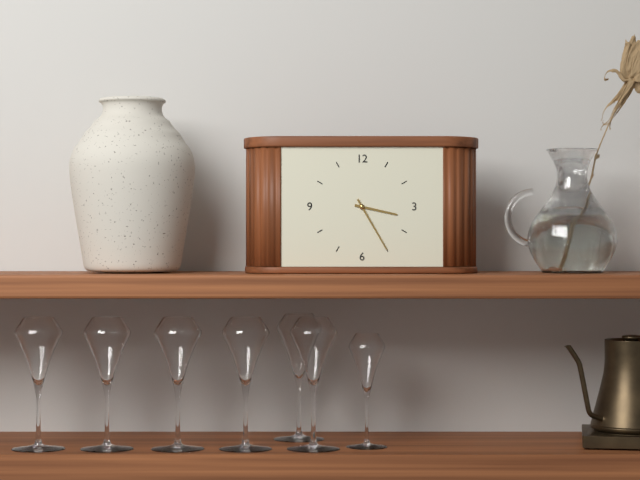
3.25
